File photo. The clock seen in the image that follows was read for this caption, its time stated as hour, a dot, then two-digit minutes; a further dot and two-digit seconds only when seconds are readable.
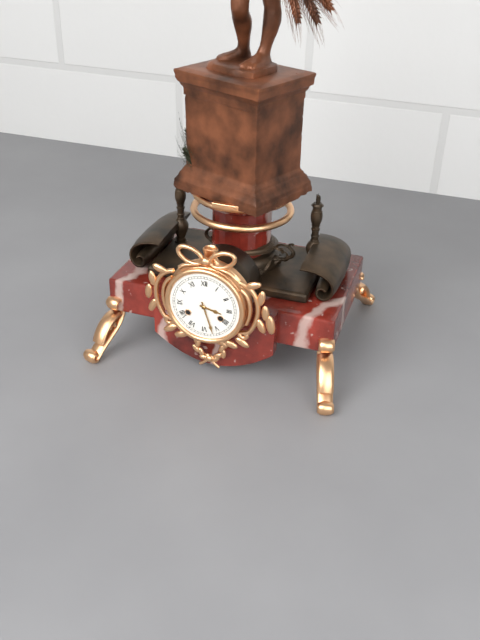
3.27
